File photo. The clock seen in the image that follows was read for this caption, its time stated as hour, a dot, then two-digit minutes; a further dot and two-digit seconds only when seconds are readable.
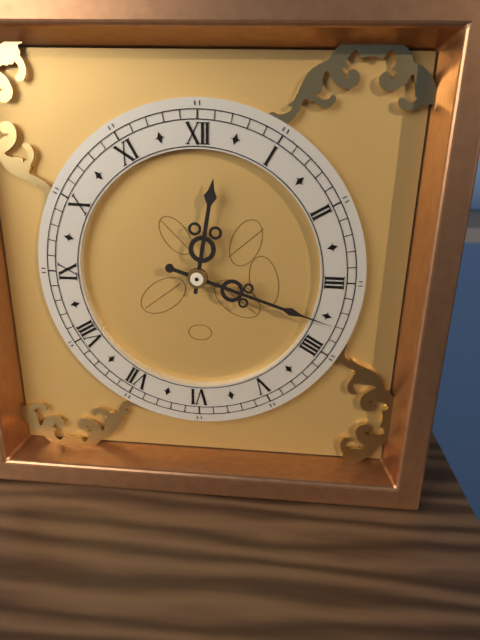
12.18
